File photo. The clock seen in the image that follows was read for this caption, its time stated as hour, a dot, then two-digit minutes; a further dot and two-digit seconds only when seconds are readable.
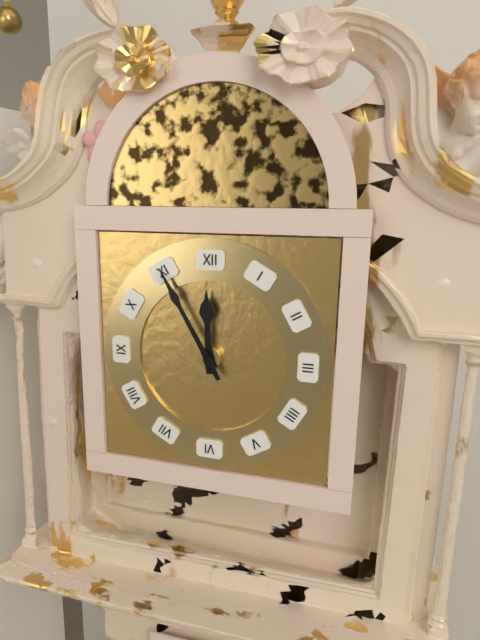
11.55
